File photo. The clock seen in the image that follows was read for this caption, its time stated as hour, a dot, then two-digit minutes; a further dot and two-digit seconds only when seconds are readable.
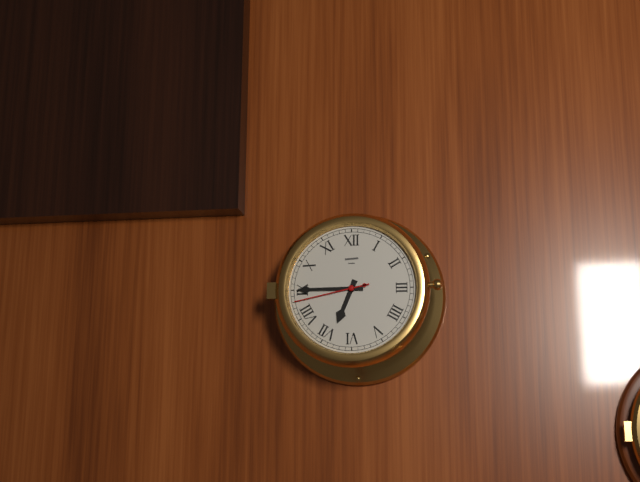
6.45.43
